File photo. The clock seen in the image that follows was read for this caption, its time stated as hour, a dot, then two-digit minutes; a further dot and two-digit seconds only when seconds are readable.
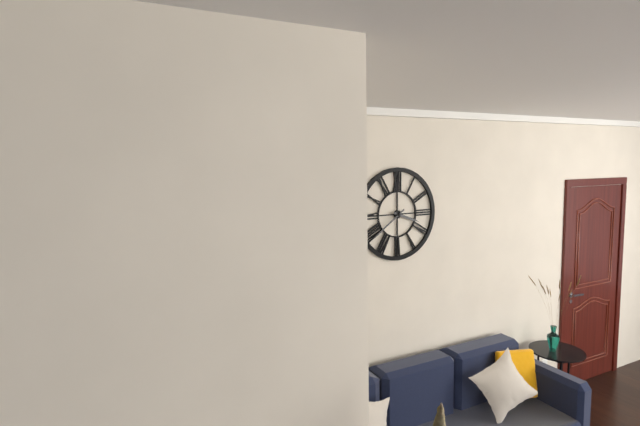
3.39
